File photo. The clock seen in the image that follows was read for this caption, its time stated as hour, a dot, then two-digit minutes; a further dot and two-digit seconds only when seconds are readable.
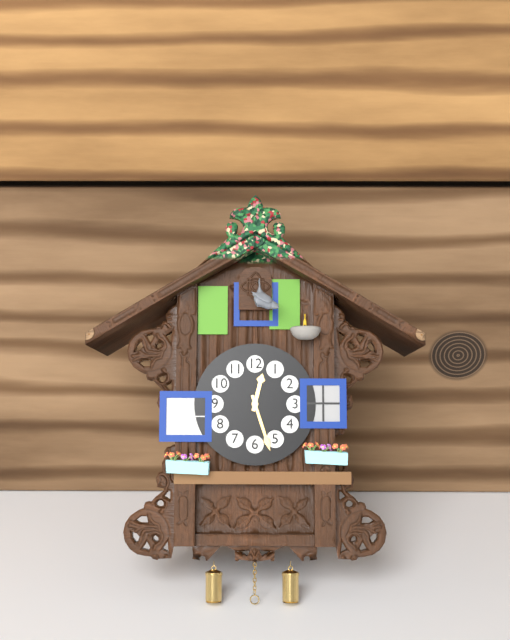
12.27
